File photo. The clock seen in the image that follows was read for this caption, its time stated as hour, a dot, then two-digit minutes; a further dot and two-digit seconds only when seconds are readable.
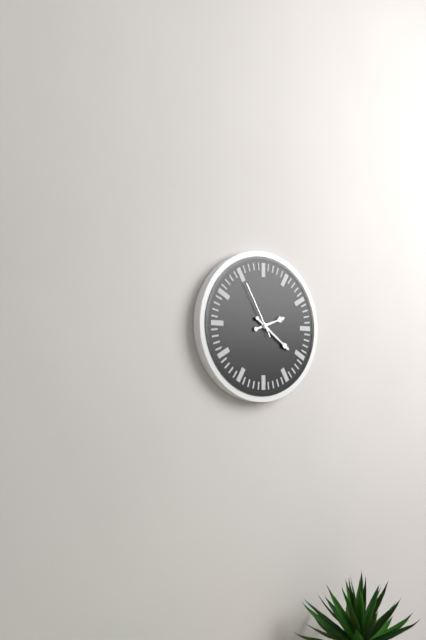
2.21.55
